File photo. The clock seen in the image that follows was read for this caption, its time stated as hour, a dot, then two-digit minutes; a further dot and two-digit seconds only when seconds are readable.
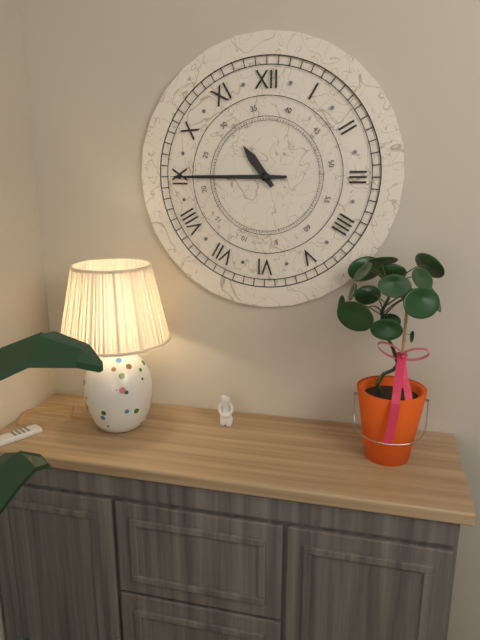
10.45.45
